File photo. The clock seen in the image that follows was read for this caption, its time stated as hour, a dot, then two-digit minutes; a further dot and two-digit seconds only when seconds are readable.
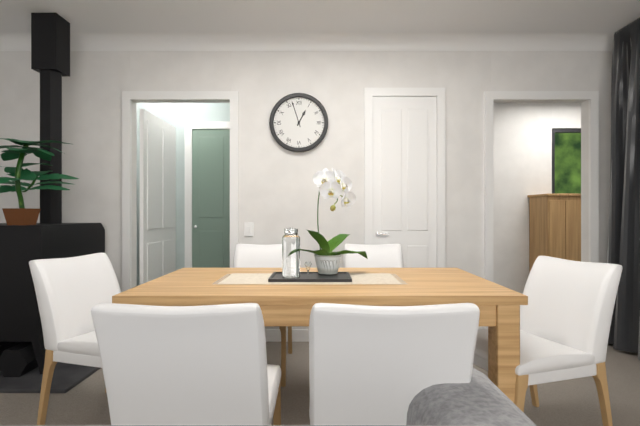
12.57
